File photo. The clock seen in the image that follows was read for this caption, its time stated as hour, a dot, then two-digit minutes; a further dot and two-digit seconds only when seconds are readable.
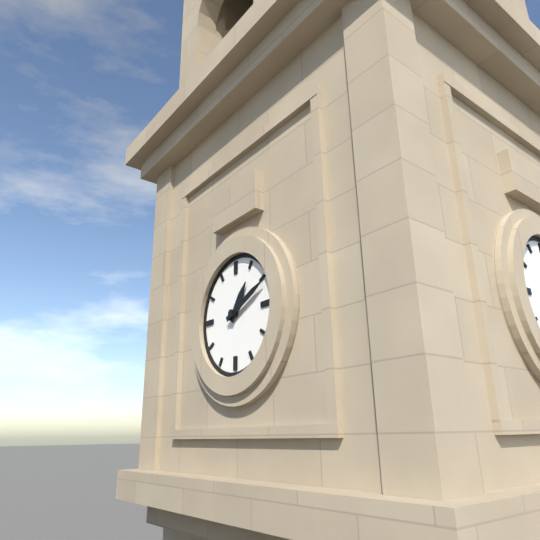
1.11
